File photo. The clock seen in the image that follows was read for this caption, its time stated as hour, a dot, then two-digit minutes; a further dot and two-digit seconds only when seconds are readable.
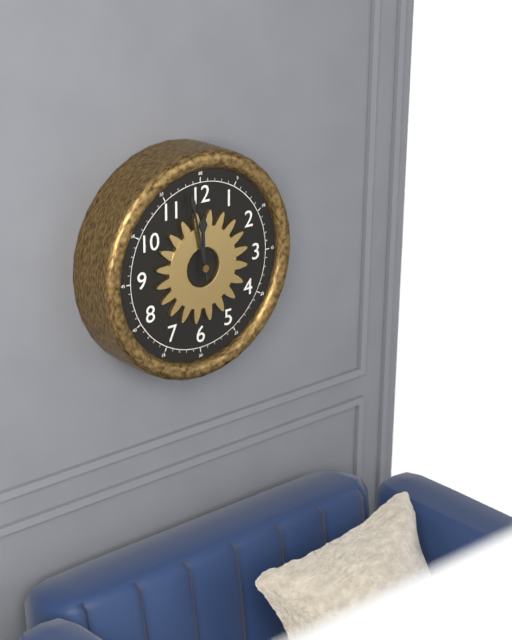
11.58
